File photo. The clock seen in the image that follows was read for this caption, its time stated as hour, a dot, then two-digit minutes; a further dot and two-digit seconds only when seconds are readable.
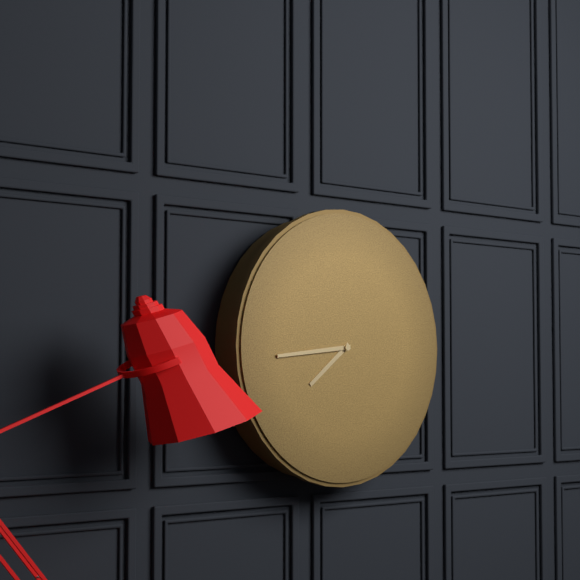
7.44
